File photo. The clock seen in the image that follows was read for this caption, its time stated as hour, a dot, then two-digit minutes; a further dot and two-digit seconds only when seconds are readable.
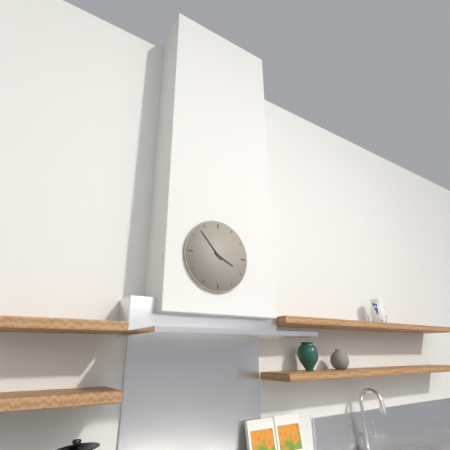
3.53
